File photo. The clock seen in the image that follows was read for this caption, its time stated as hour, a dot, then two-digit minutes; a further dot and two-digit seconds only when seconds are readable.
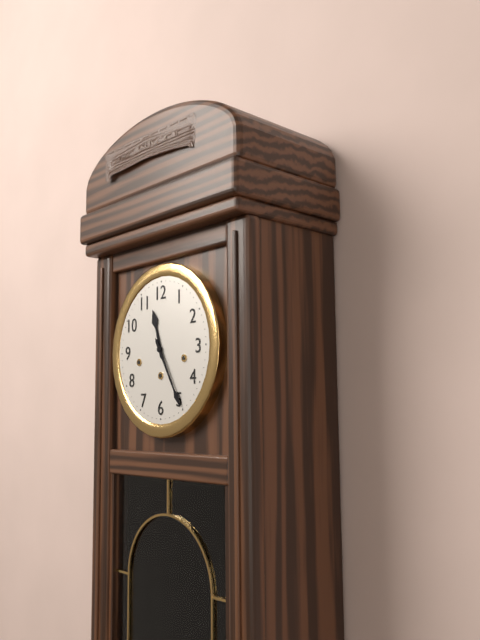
11.25
